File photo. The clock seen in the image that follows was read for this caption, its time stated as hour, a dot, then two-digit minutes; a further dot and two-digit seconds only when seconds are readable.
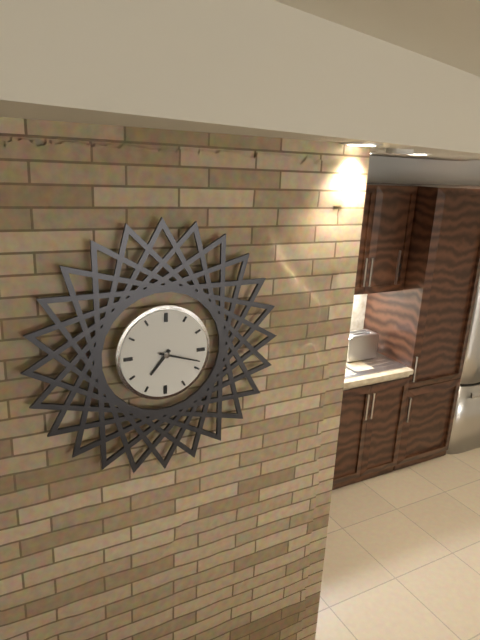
7.18
